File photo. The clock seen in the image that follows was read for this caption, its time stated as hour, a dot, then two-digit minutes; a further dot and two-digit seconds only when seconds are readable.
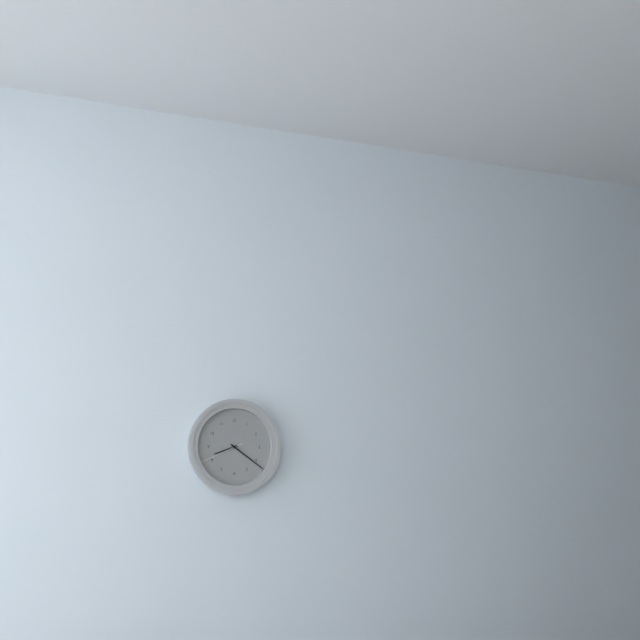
8.21
